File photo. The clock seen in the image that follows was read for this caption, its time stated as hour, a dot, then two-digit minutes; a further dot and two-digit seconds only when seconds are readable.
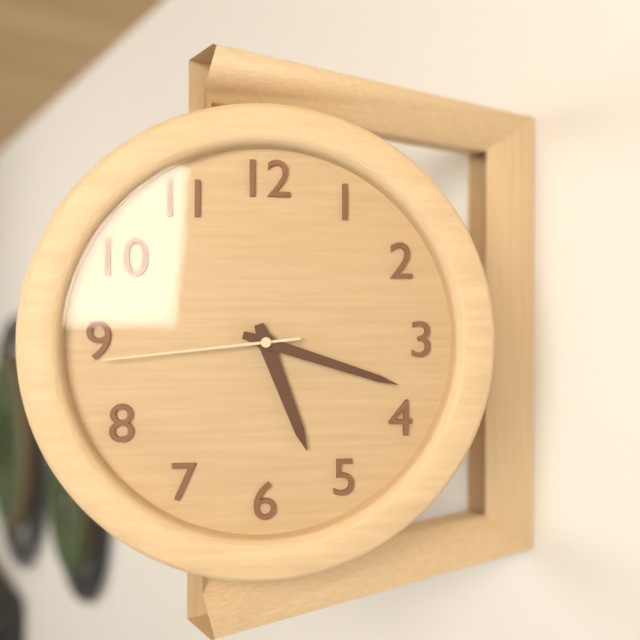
5.18.44
